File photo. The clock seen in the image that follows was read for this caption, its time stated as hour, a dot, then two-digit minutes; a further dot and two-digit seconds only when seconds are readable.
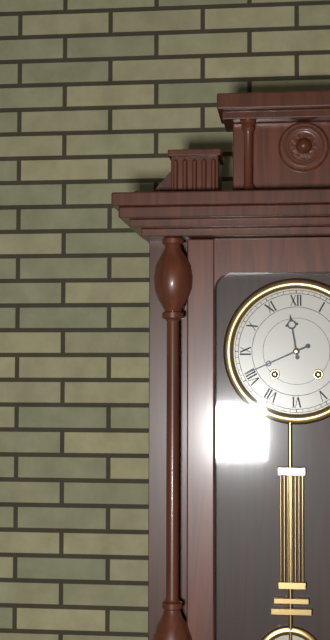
11.41
